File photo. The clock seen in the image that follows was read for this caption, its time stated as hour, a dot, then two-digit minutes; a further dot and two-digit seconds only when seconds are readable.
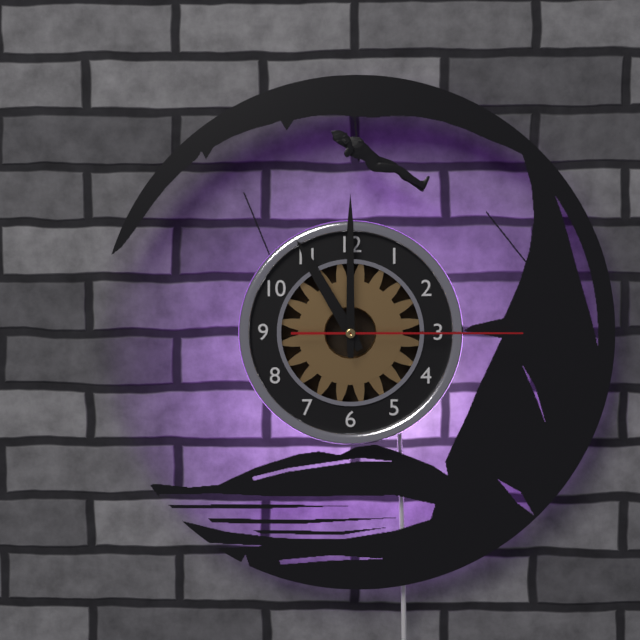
11.00.15
